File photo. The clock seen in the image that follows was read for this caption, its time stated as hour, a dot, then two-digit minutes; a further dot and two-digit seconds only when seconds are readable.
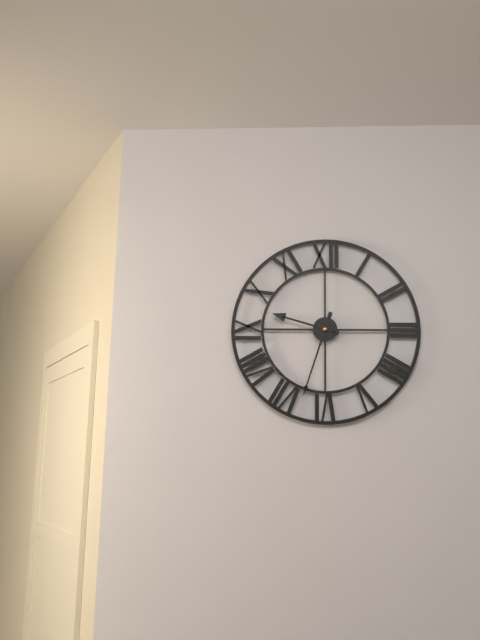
9.33
